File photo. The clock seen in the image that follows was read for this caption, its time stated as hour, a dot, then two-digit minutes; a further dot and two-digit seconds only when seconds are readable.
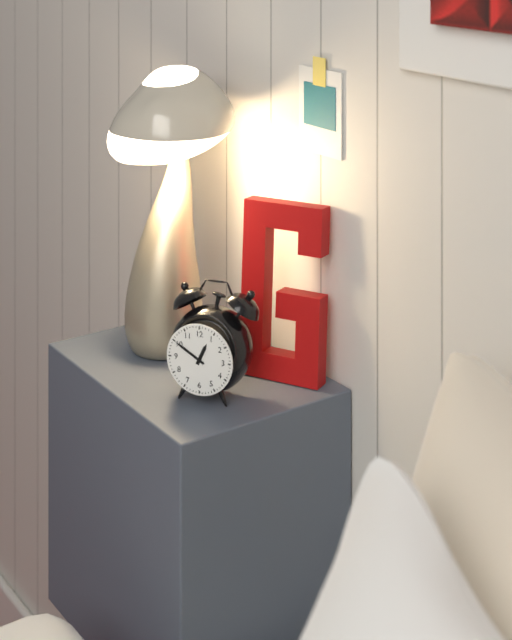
12.50
